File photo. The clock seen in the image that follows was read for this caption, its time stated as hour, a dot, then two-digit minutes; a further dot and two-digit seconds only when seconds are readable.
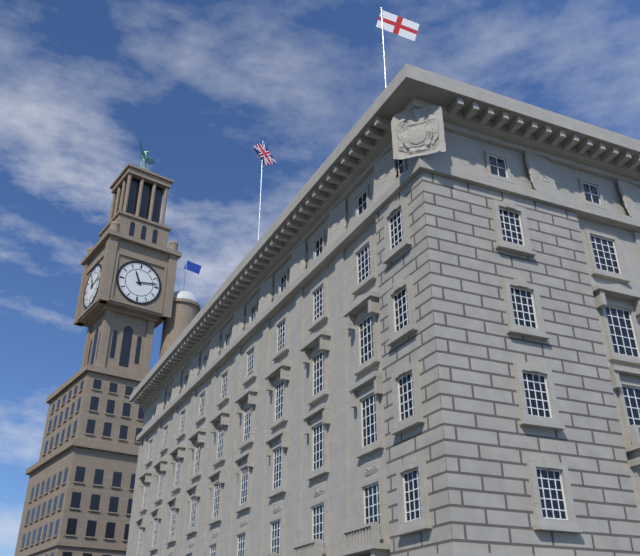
11.13
